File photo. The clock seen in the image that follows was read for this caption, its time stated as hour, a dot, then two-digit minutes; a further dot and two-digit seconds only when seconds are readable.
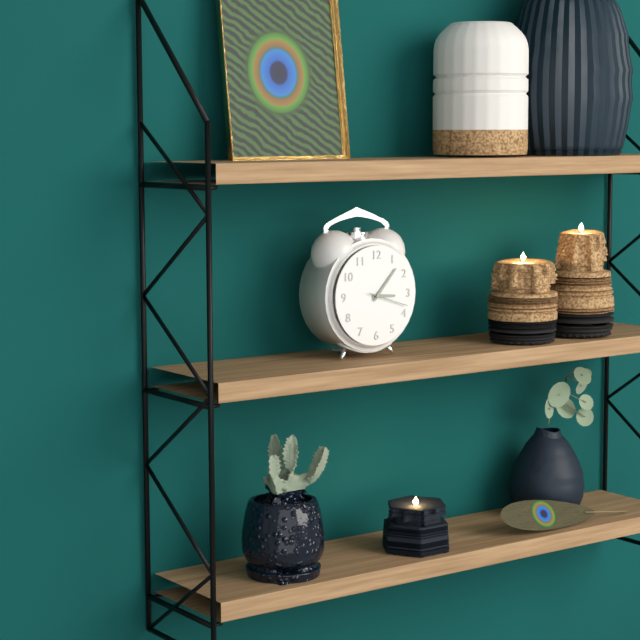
3.07
